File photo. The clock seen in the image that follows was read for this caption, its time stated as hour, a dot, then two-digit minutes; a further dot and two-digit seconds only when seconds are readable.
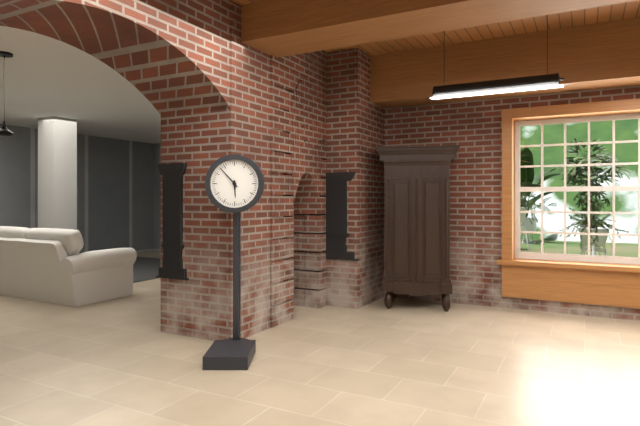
5.53
